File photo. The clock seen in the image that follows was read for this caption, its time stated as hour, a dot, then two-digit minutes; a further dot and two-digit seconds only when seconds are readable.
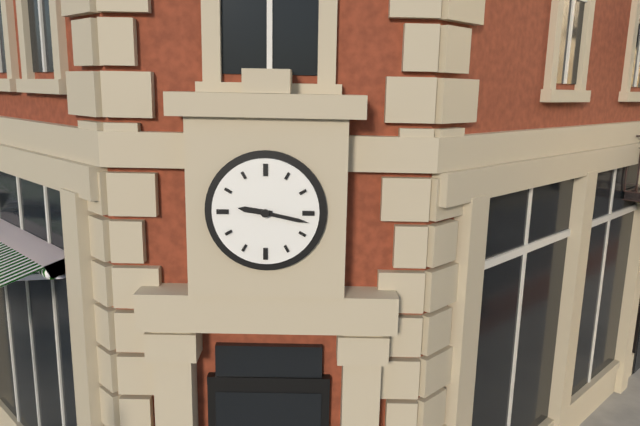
9.17
